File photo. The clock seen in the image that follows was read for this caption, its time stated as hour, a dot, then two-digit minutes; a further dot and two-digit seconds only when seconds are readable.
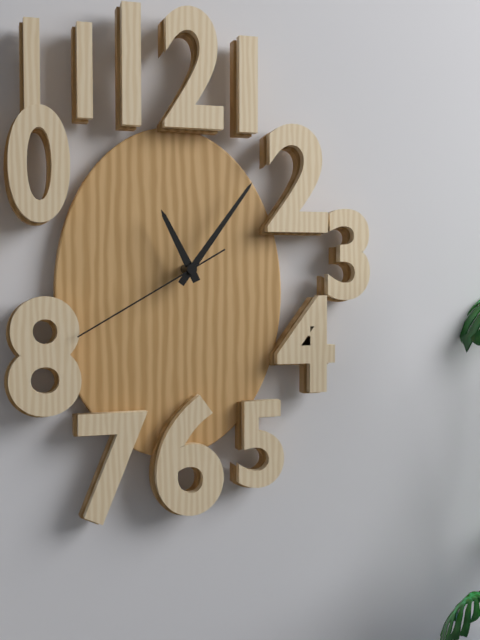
11.06.40
